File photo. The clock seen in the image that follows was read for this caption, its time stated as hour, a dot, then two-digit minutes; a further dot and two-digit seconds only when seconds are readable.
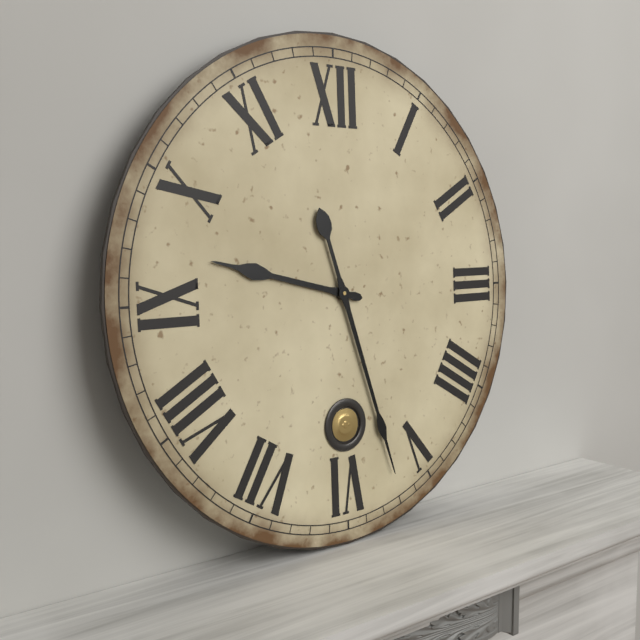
9.27
